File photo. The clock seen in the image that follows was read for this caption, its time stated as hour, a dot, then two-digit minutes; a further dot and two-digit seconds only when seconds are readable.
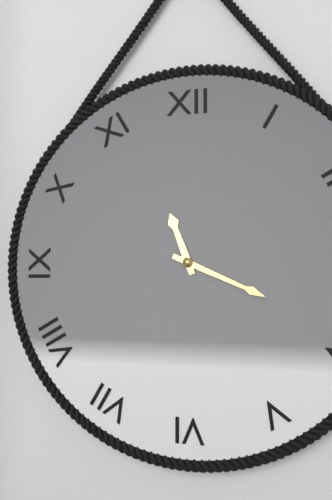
11.19
